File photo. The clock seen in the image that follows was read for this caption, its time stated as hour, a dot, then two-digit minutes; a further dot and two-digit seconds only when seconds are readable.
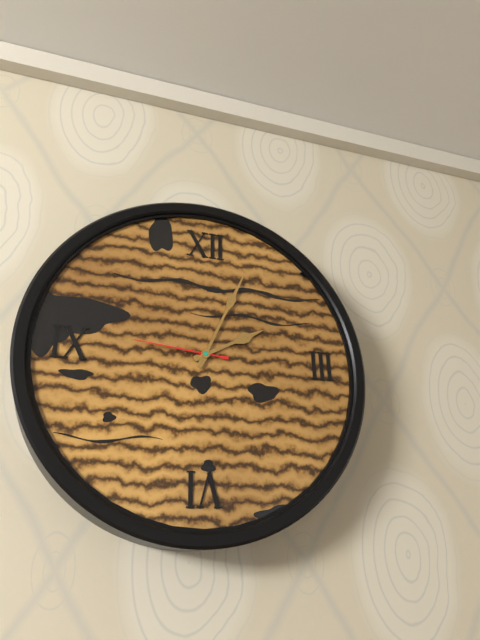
2.04.46
